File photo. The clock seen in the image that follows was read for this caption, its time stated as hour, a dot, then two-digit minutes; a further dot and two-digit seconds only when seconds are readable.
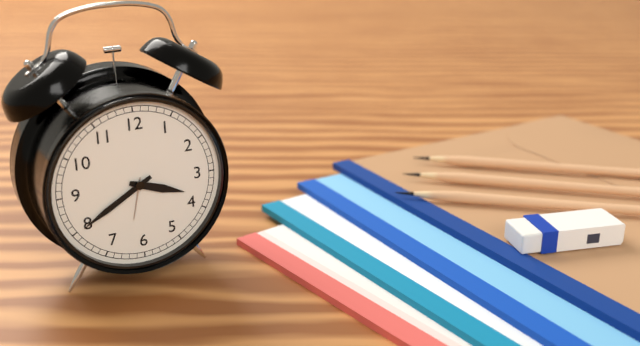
3.40
